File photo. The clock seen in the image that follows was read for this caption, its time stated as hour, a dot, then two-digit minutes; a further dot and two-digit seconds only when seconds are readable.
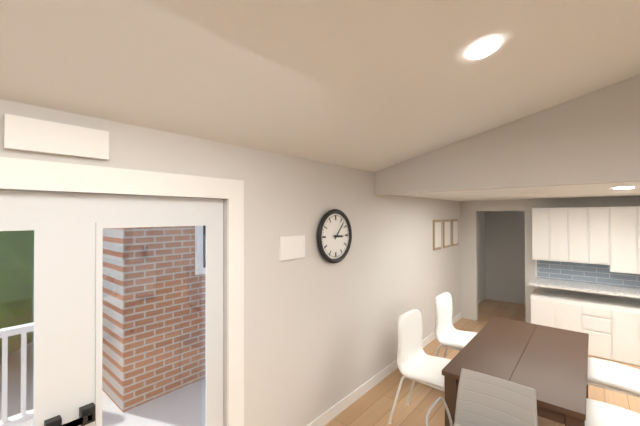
3.07
